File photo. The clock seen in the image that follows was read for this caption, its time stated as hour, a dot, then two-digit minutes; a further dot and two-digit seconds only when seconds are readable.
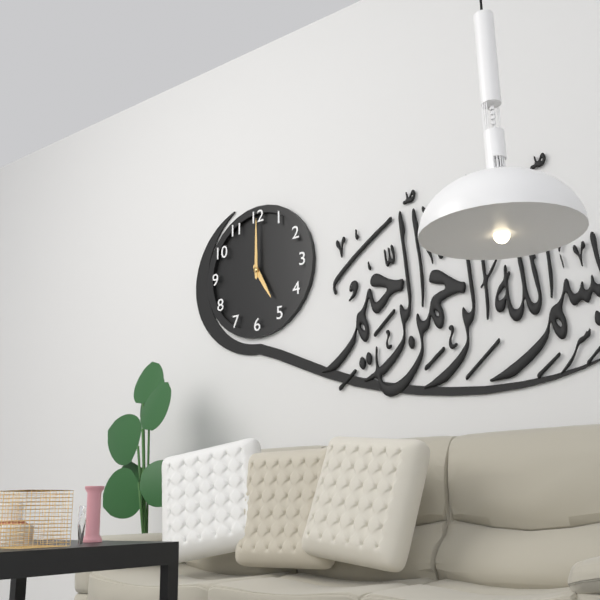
5.00
